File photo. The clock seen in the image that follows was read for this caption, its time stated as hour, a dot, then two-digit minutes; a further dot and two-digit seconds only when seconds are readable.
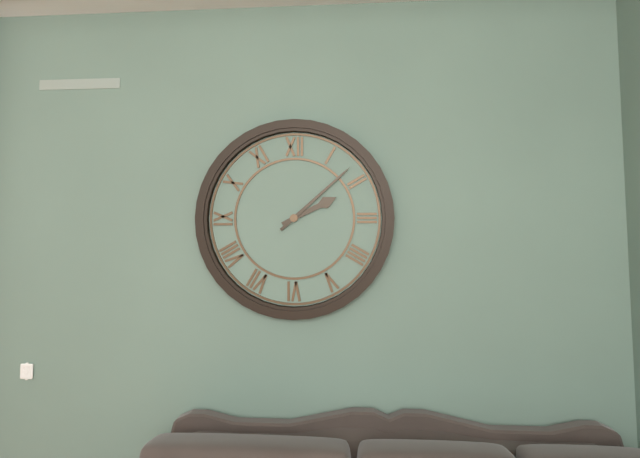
2.08
